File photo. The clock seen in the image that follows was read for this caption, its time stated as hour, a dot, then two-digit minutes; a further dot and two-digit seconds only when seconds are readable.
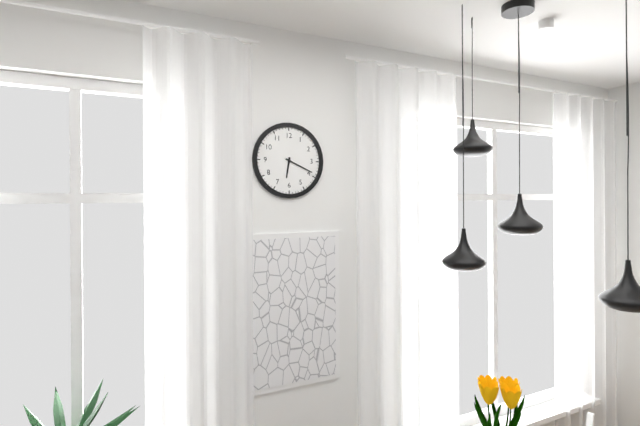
6.19
